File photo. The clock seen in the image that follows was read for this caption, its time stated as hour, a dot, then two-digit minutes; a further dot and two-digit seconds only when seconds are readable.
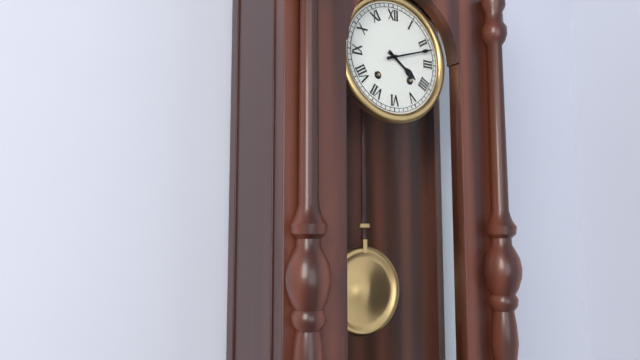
4.12
